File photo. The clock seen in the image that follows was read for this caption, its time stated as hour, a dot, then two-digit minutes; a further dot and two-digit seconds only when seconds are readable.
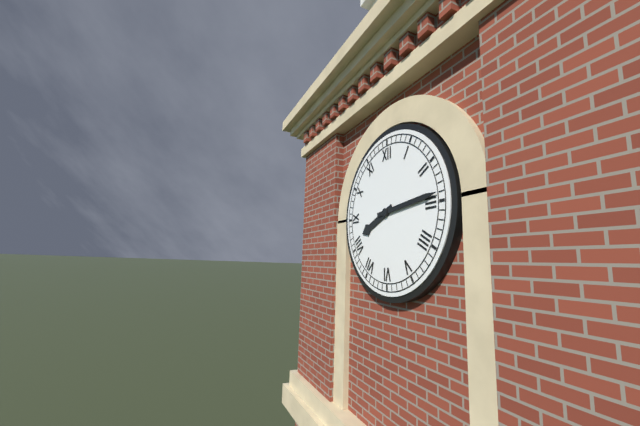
8.14
